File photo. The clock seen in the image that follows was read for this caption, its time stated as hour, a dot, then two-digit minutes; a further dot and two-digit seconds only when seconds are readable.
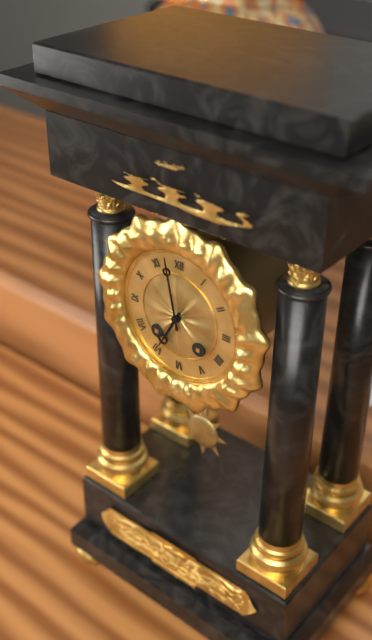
6.58
